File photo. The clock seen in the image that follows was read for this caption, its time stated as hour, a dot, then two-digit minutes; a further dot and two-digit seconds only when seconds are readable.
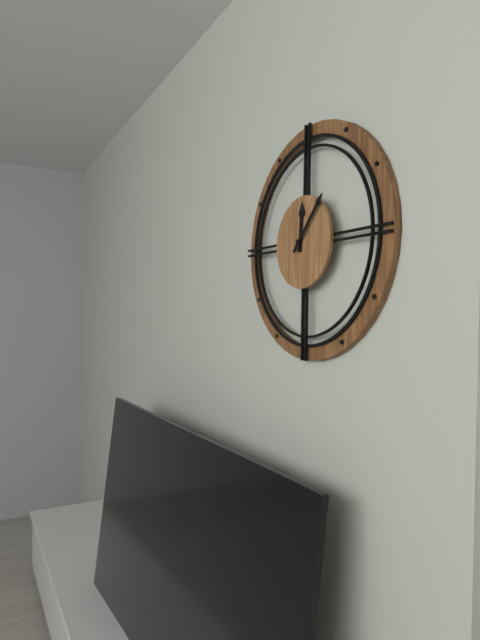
12.07
